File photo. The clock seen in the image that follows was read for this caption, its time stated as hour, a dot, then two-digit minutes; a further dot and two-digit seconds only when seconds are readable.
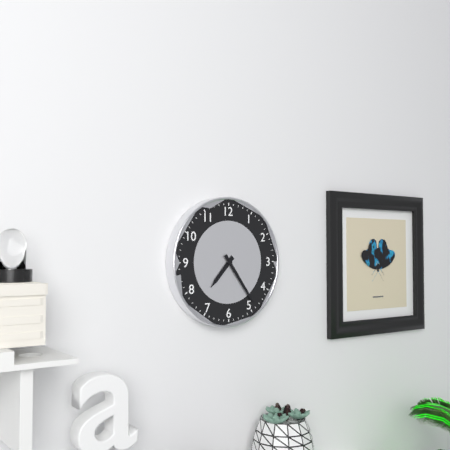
7.24
